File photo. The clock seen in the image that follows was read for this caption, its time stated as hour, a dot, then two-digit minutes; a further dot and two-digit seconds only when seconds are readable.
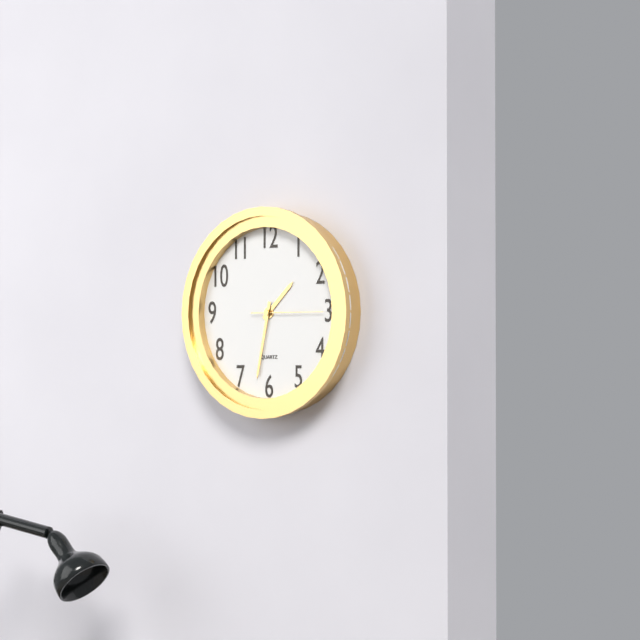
1.32.15
